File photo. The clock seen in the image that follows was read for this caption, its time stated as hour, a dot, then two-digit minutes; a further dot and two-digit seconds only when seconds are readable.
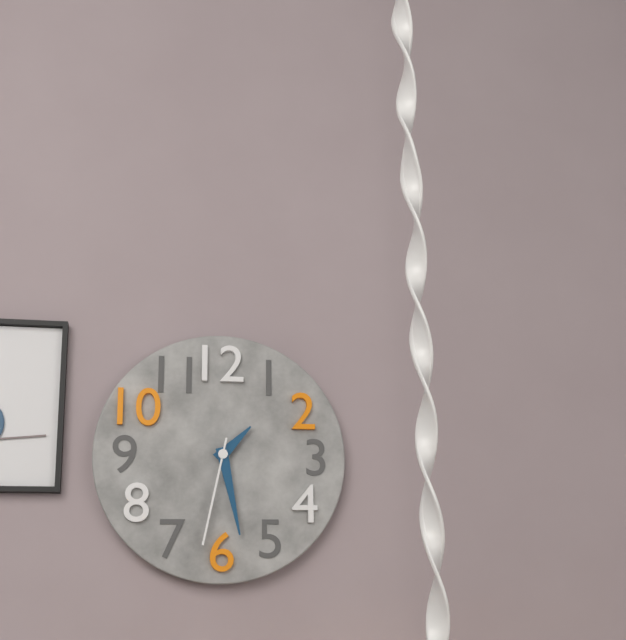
1.28.32
